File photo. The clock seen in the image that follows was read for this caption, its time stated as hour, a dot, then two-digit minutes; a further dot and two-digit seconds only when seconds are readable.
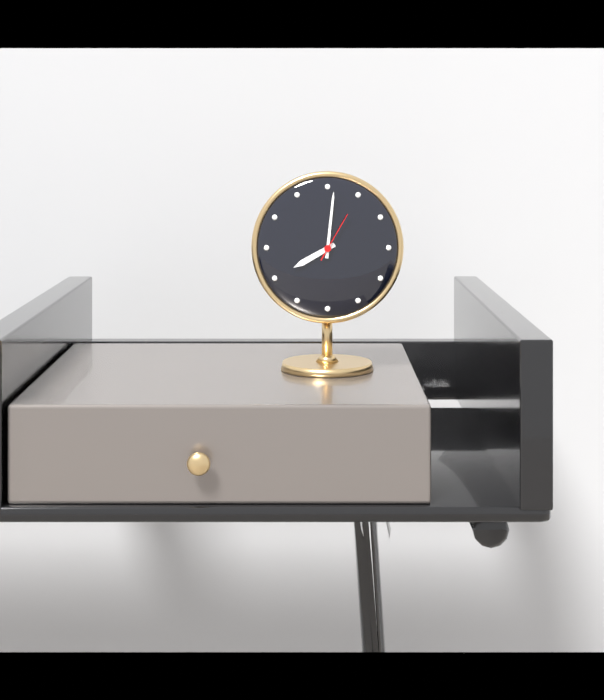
8.01
